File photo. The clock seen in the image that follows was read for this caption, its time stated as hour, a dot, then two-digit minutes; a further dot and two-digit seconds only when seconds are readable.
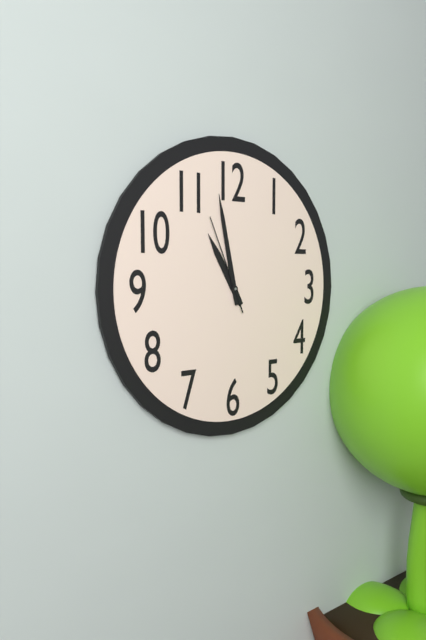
10.58.56
